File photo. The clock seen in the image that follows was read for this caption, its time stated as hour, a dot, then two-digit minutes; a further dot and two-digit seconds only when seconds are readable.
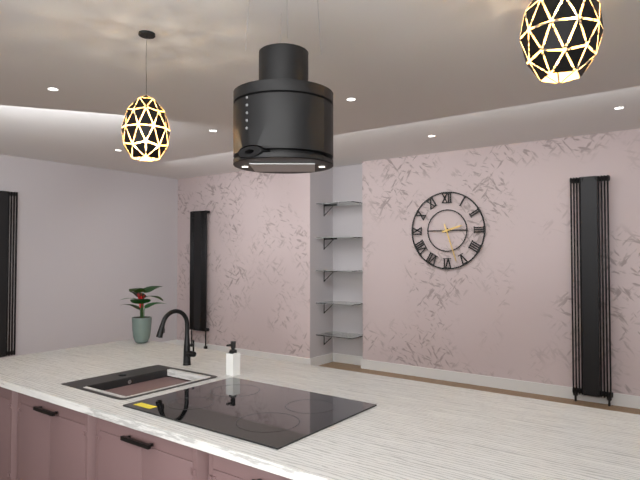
2.27
